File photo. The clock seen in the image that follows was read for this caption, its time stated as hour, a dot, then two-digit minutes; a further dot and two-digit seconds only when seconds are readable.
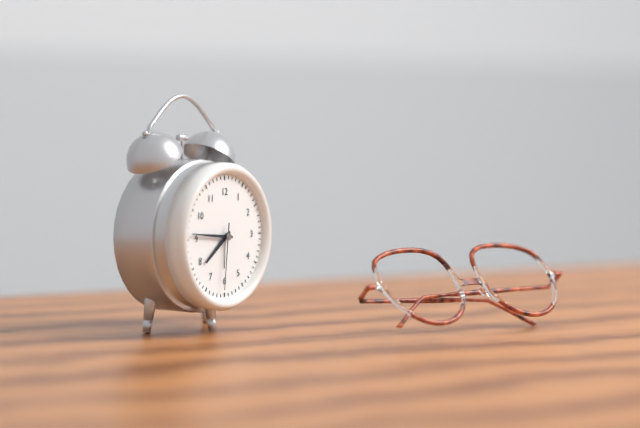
7.46.31
